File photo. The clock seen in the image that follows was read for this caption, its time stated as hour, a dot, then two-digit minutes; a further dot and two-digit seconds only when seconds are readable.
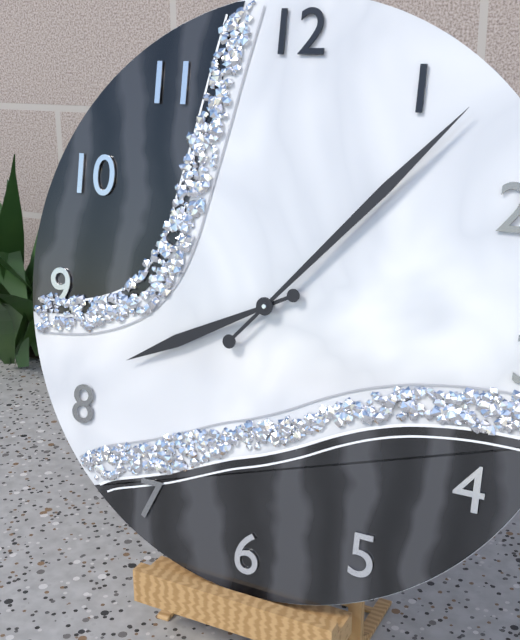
8.07
